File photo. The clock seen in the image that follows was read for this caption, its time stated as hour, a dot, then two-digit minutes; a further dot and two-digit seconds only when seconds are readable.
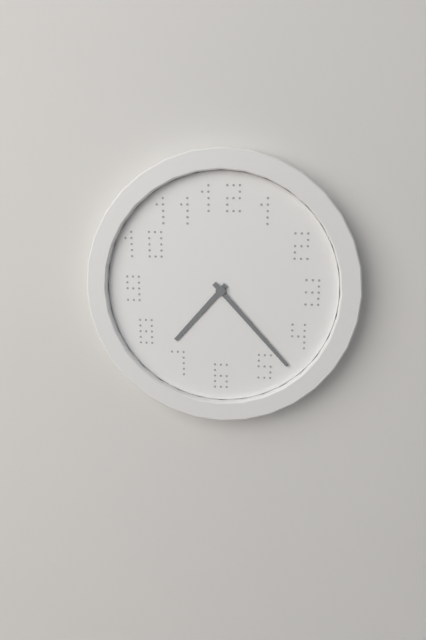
7.23
